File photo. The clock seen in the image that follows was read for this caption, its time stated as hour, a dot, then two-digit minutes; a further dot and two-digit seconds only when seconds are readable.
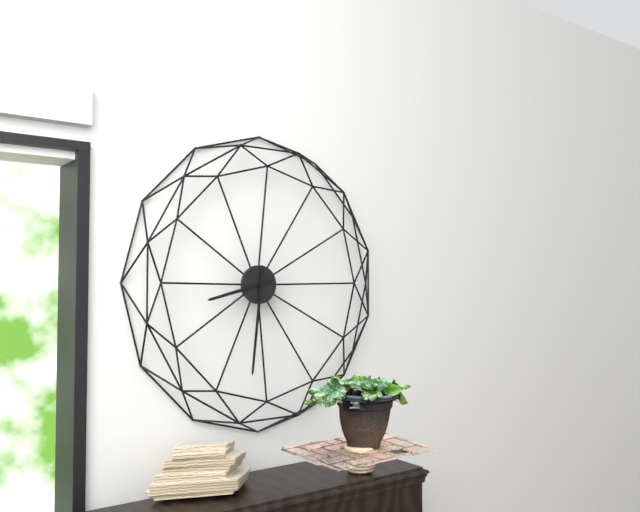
8.31
